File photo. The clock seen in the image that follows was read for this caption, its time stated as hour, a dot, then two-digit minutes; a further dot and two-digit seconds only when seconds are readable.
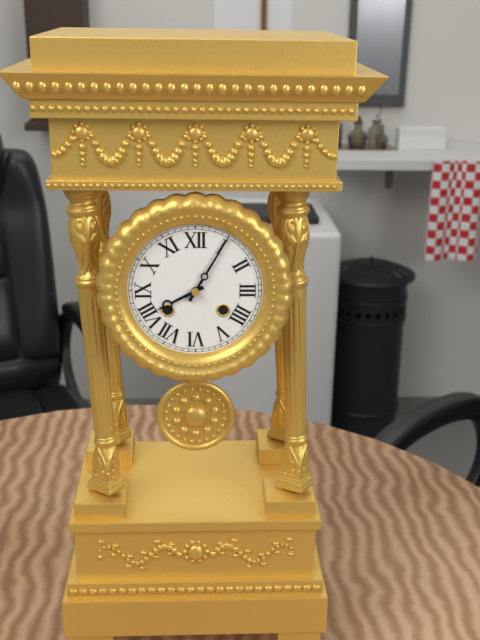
8.05
